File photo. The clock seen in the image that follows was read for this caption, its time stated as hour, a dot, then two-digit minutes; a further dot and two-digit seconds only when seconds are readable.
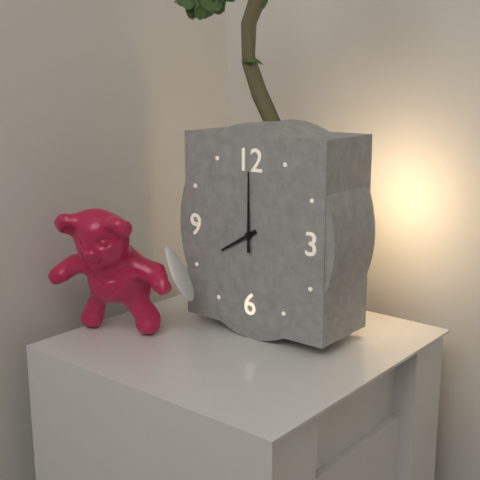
8.00
